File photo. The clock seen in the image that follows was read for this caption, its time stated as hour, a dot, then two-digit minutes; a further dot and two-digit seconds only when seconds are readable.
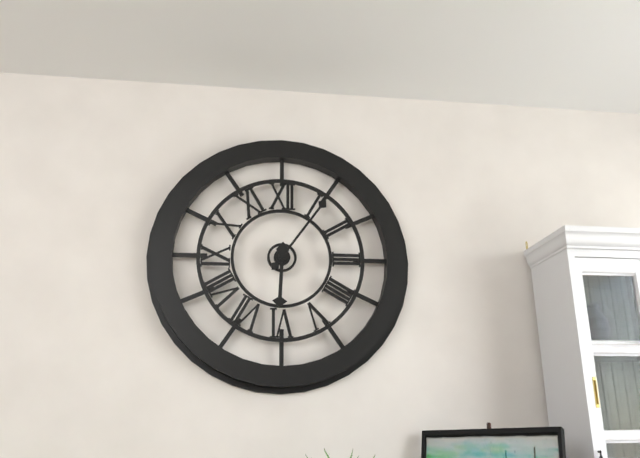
6.06
